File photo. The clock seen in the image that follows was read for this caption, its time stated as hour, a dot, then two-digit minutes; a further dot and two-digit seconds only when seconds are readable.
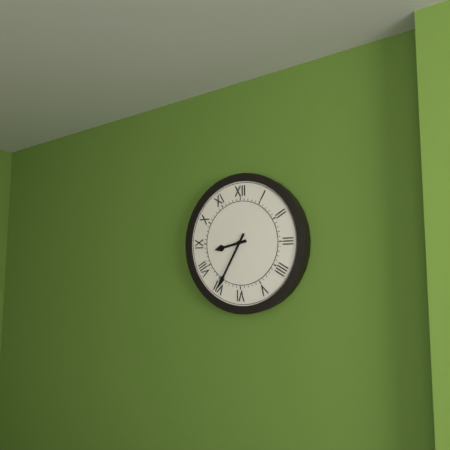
8.35
